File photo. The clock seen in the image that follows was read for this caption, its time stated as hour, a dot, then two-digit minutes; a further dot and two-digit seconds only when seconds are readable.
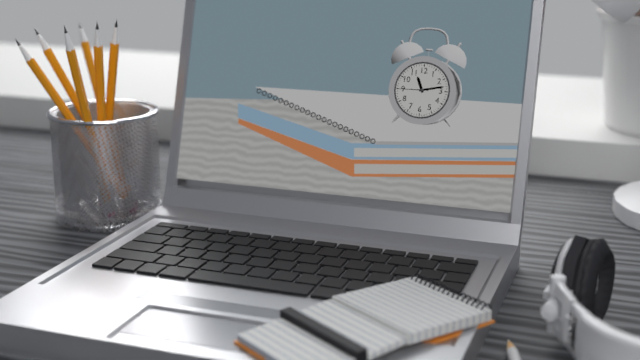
11.13
